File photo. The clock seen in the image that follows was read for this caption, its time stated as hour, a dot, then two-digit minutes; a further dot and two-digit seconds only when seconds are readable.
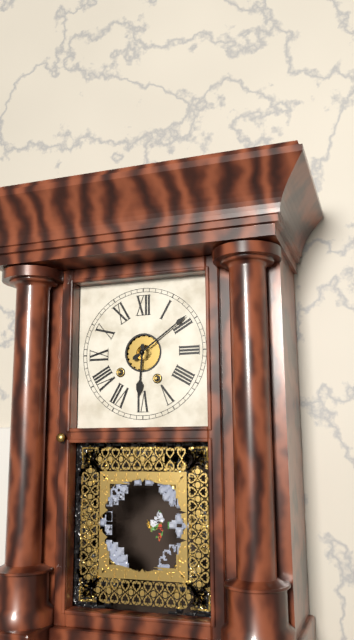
6.09
